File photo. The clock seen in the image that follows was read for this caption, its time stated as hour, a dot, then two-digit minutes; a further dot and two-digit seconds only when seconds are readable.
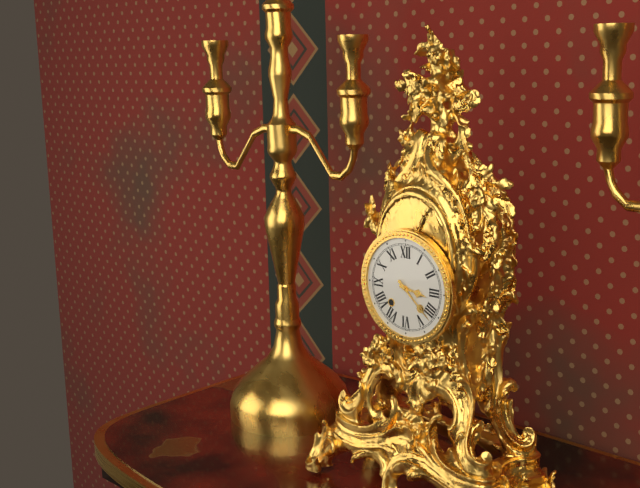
3.22
